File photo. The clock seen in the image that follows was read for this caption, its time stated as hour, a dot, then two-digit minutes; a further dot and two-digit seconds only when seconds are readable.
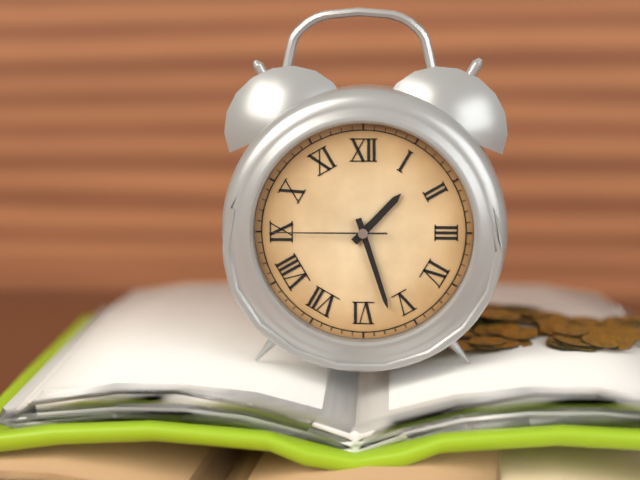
1.27.45
